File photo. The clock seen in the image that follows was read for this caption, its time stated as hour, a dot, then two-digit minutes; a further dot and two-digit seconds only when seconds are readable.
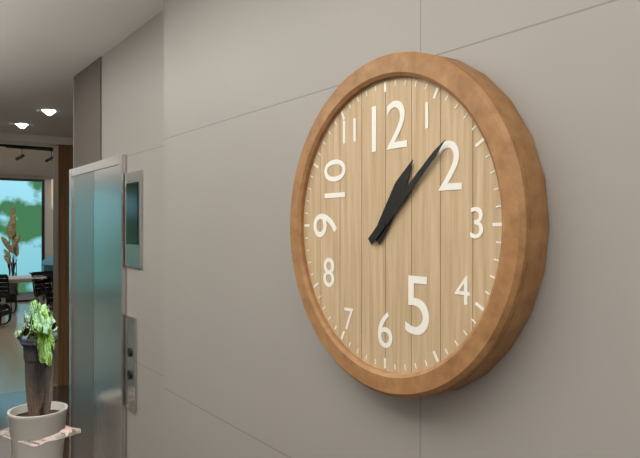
1.08
